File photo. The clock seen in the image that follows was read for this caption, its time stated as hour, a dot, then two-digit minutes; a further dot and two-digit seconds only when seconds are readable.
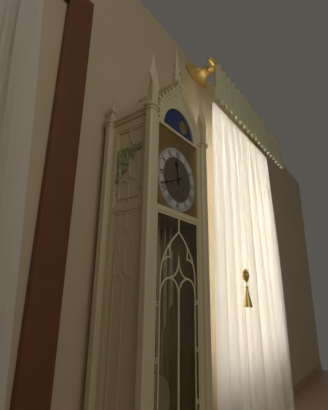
11.41
